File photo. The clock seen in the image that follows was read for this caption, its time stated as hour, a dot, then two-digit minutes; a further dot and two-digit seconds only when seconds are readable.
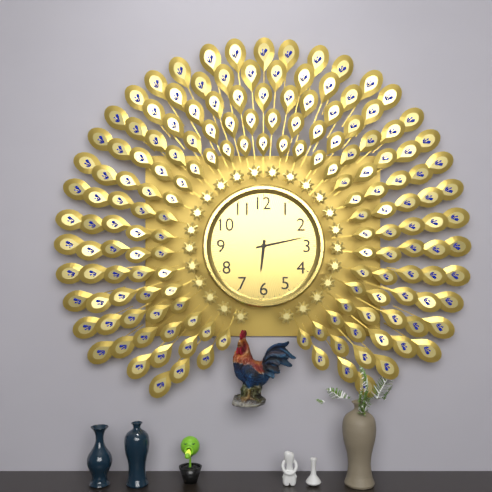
6.13
